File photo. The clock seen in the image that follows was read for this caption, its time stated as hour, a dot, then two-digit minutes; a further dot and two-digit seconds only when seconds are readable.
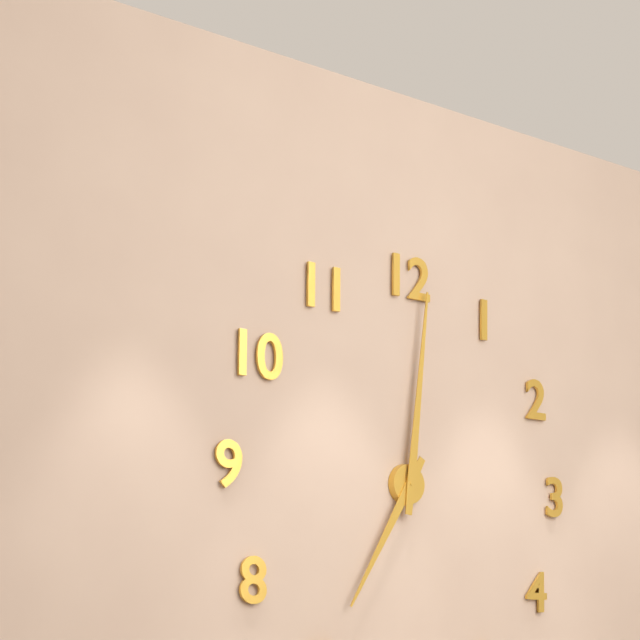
7.01
